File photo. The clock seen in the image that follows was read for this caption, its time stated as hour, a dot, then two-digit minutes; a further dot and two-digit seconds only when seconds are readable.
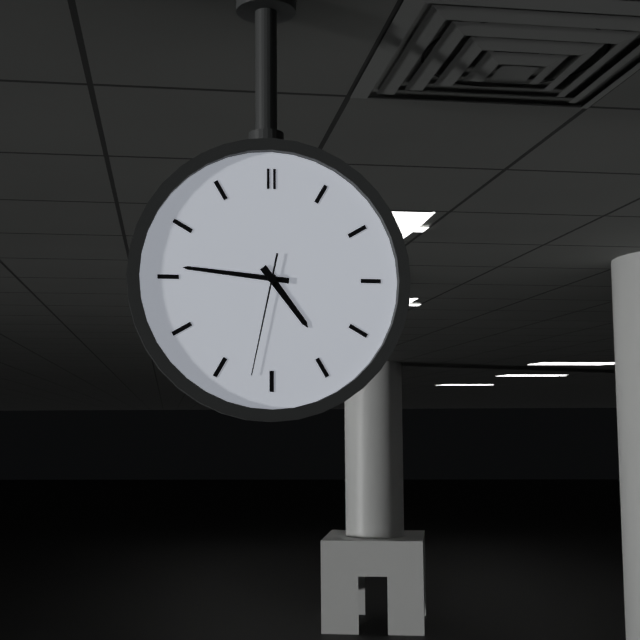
4.46.32
